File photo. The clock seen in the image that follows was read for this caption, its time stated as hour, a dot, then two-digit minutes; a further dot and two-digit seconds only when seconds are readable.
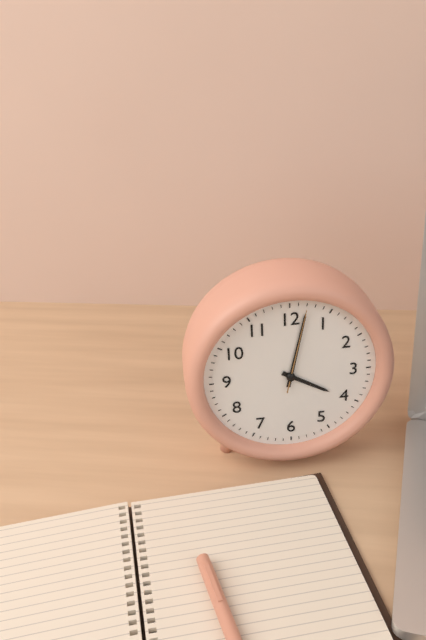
4.02.02
